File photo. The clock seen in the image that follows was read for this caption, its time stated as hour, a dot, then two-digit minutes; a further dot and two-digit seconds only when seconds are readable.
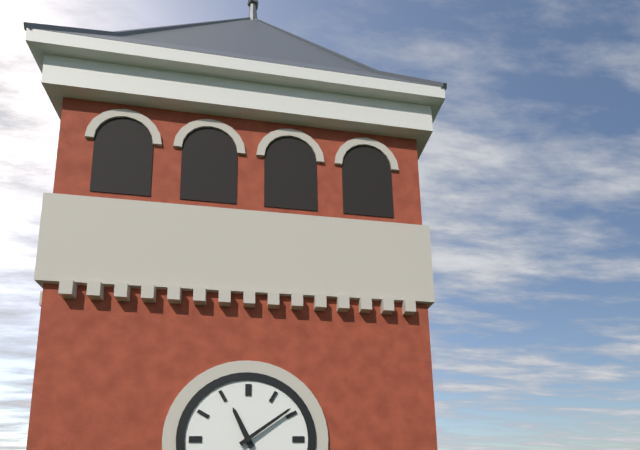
11.09
